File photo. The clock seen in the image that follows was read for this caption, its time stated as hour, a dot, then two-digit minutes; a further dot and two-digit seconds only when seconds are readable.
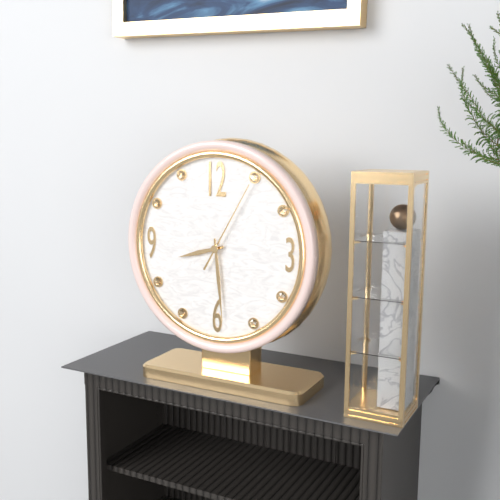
8.29.05
